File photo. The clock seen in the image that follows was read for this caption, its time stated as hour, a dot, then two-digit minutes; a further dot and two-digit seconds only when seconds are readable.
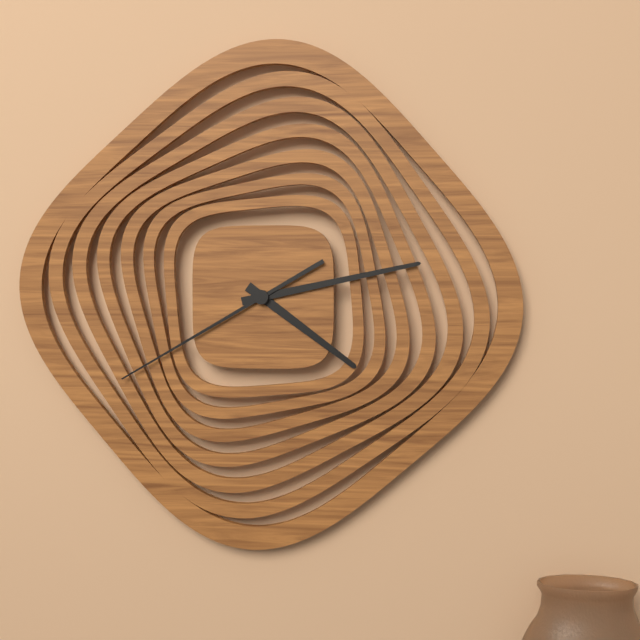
4.13.40
